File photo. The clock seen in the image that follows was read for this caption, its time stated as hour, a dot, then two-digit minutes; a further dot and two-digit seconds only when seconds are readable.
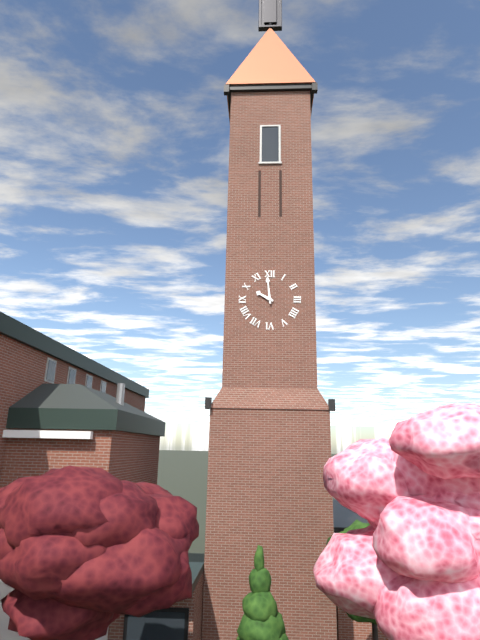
9.59
